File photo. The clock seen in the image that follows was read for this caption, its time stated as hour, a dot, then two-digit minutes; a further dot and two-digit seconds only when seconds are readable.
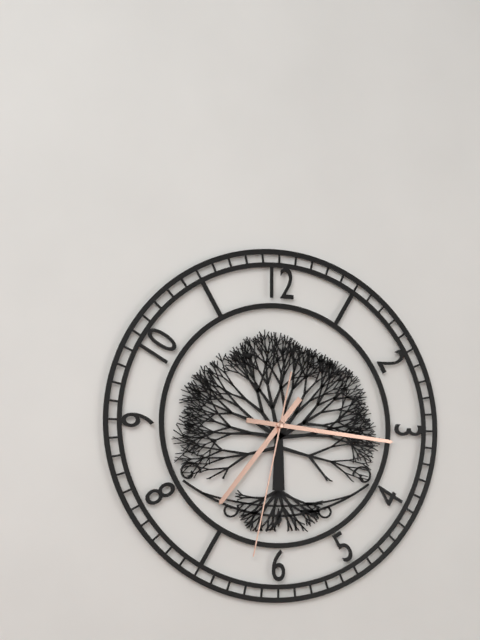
7.16.32
